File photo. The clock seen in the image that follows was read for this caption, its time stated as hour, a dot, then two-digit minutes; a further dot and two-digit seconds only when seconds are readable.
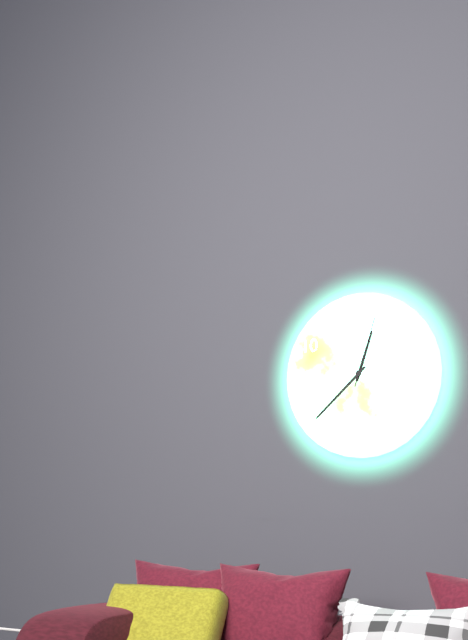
12.38.03
